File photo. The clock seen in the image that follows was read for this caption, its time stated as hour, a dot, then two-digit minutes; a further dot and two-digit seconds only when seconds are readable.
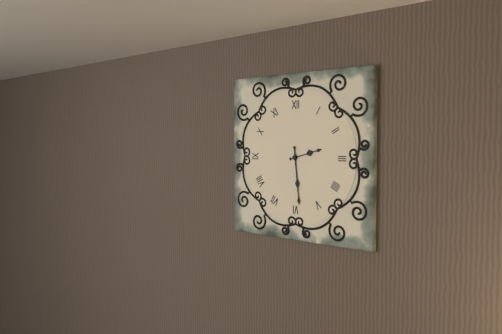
2.29
